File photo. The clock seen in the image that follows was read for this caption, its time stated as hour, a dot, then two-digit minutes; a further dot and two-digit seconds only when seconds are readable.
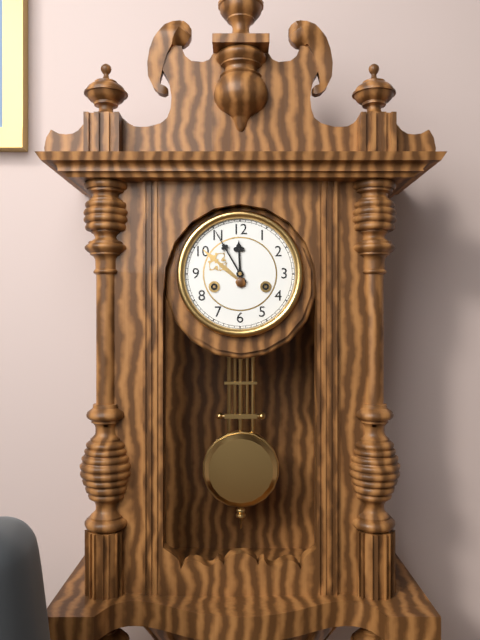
11.55
